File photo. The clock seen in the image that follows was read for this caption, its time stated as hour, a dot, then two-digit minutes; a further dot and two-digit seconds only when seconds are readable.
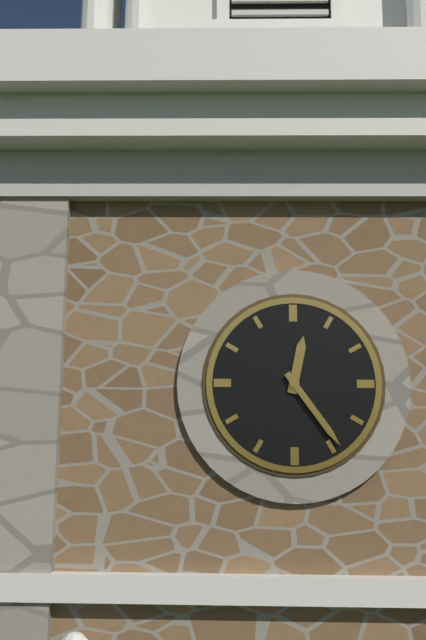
12.24
